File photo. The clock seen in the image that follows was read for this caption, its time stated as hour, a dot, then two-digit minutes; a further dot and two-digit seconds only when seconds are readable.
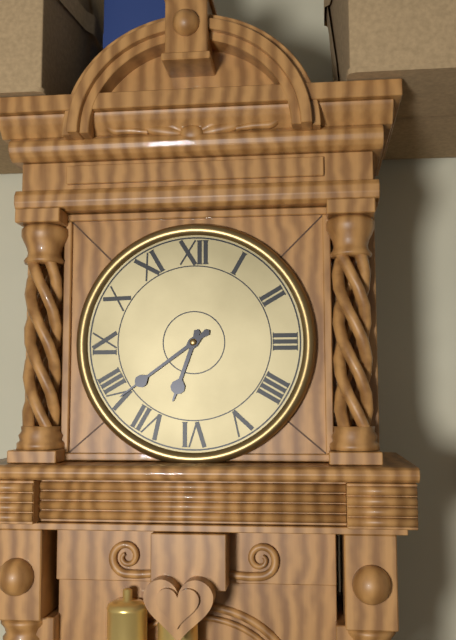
6.39
